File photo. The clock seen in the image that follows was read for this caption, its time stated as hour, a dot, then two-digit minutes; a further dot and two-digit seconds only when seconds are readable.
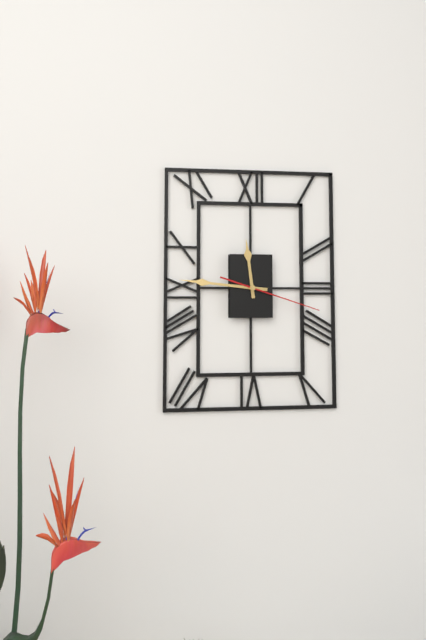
11.46.18
